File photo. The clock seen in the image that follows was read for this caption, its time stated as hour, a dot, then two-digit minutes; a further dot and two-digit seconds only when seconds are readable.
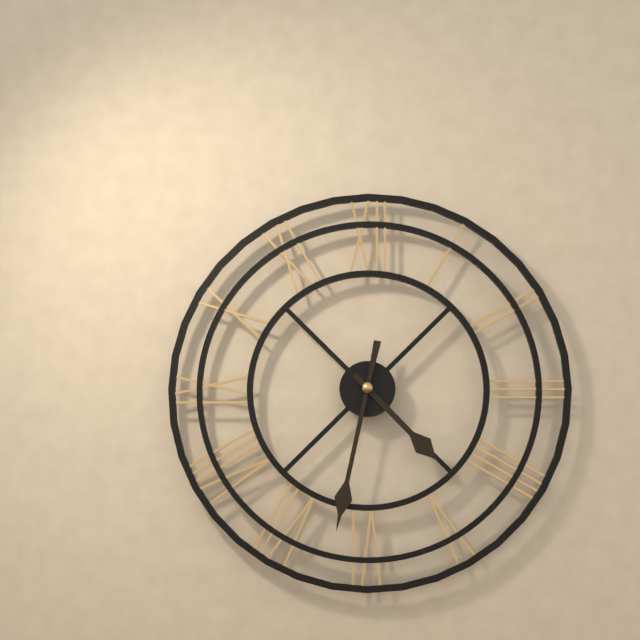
4.32
